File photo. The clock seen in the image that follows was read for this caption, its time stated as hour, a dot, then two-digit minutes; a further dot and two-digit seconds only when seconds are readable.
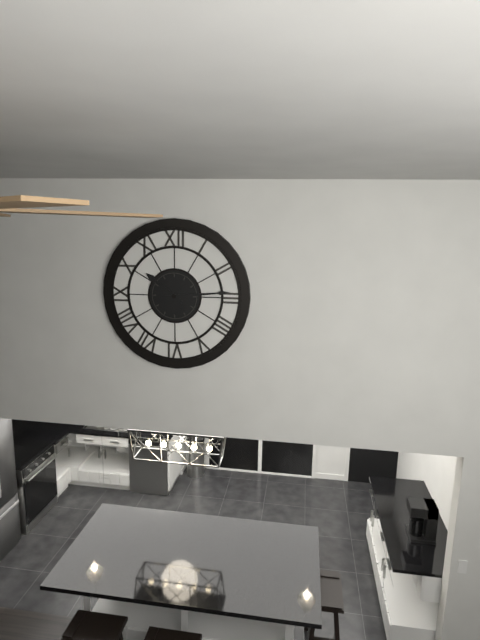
10.14
